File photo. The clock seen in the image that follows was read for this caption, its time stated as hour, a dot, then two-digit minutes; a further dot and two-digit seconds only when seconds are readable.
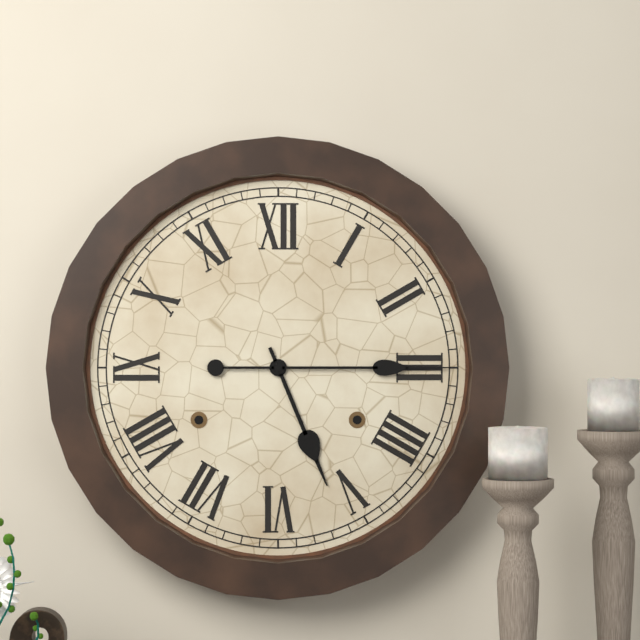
5.15
